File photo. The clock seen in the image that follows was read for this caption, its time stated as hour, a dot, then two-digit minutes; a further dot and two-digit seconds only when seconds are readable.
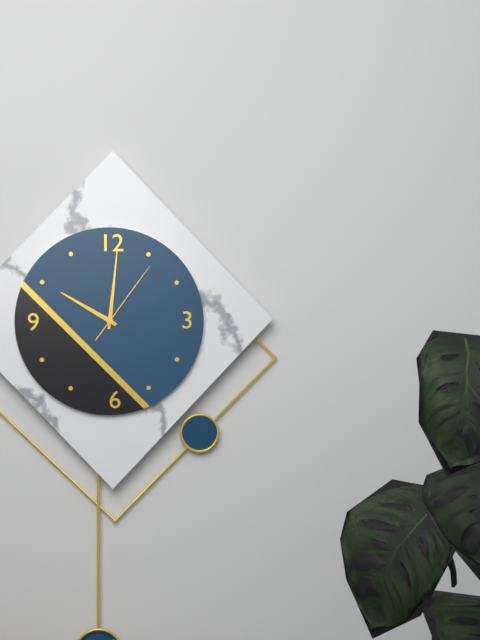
10.01.06
